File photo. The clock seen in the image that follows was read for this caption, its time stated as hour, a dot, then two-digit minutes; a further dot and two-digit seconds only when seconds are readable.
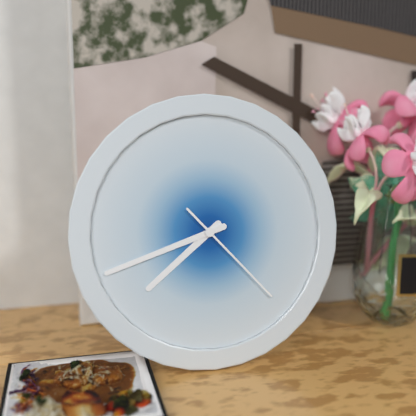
7.42.23
